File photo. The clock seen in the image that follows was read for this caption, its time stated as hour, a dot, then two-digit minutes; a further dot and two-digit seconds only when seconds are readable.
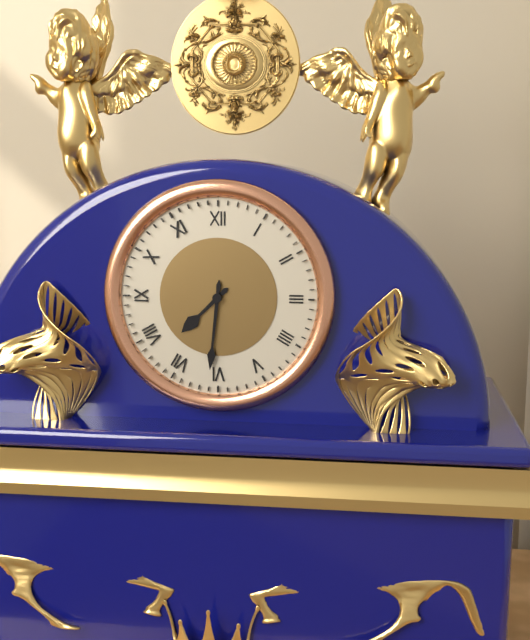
7.31
